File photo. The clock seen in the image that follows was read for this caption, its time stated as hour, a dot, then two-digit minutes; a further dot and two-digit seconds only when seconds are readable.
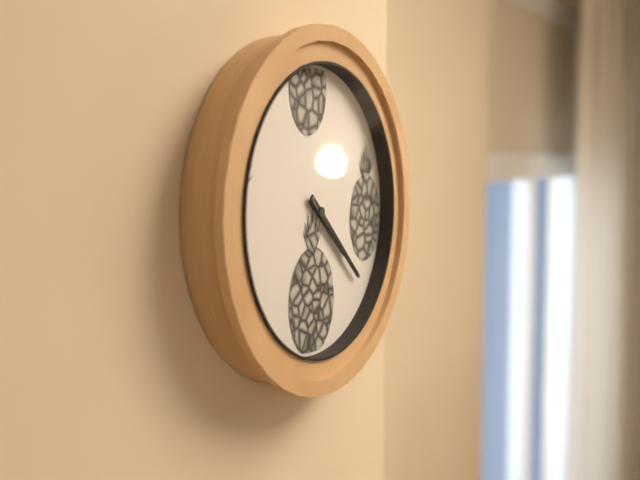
4.22
